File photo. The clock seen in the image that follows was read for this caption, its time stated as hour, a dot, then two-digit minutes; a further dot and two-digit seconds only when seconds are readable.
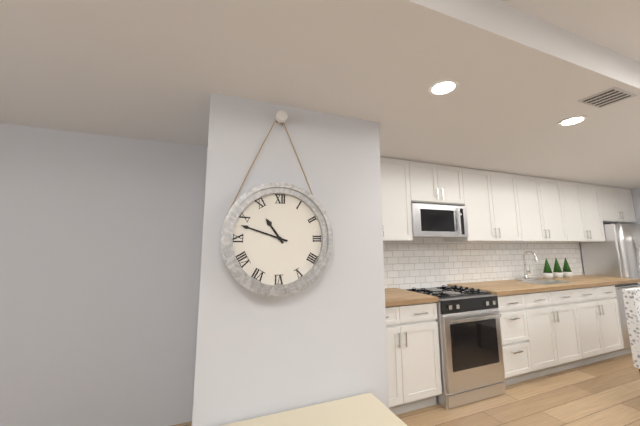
10.48
